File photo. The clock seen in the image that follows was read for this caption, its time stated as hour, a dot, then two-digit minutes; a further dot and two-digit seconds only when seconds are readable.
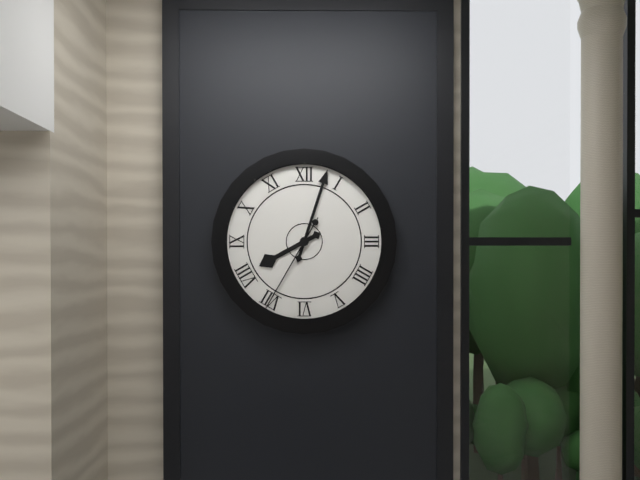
8.03.35
